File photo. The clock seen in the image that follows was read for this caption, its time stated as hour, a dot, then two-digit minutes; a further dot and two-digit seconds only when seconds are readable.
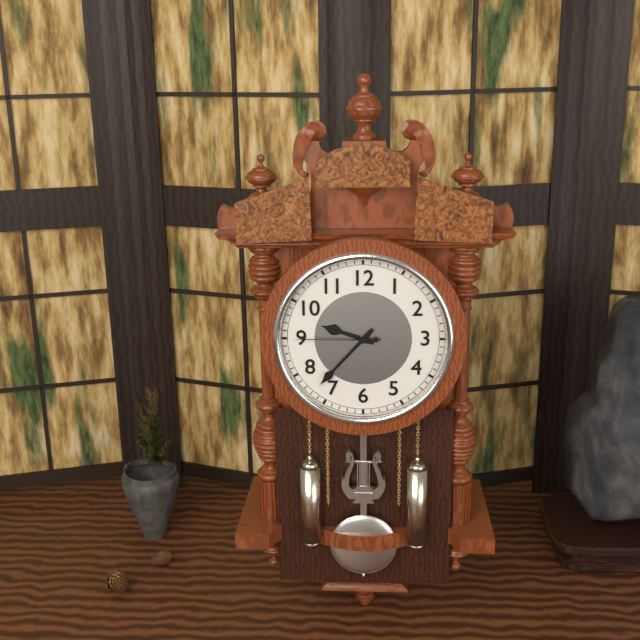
9.37.45
